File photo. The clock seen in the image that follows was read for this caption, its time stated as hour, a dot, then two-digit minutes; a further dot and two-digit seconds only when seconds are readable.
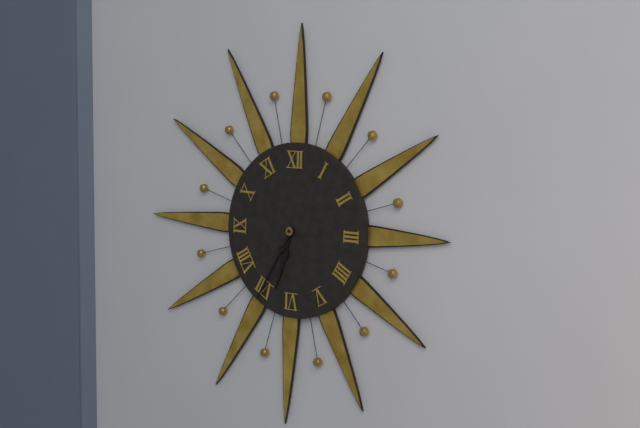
6.35
